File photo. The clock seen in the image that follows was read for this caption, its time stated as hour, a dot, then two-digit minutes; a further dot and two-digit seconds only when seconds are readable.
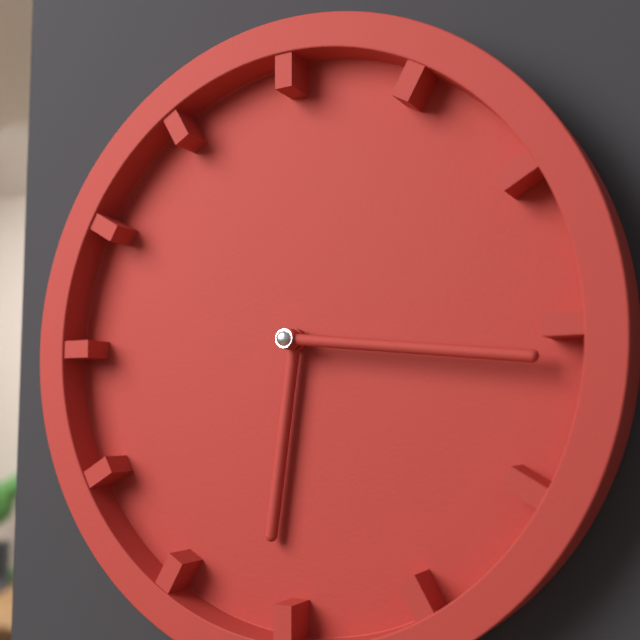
6.16
